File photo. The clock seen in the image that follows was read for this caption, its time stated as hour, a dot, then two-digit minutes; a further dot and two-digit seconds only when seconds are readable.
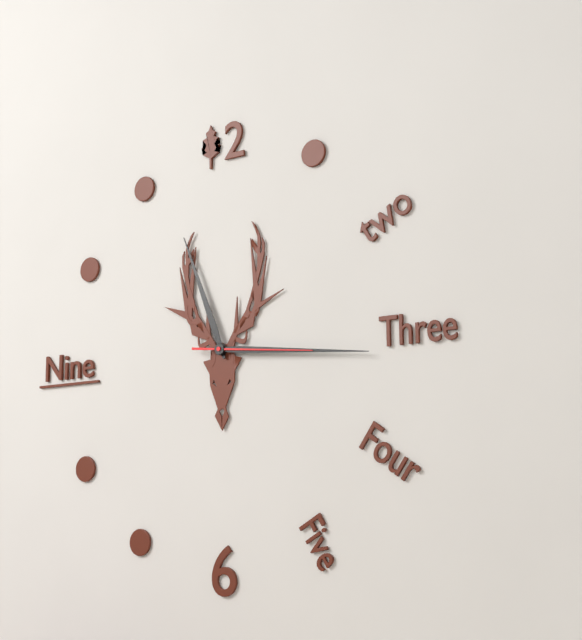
11.16.16
